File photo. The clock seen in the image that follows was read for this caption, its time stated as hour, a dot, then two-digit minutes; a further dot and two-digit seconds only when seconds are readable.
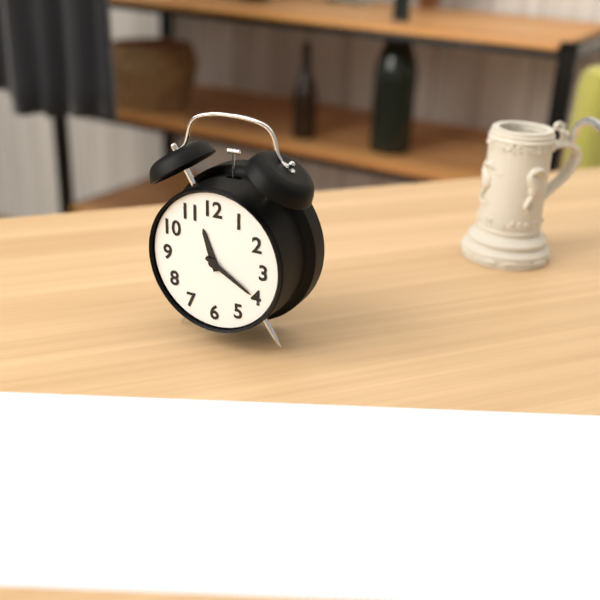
11.20
